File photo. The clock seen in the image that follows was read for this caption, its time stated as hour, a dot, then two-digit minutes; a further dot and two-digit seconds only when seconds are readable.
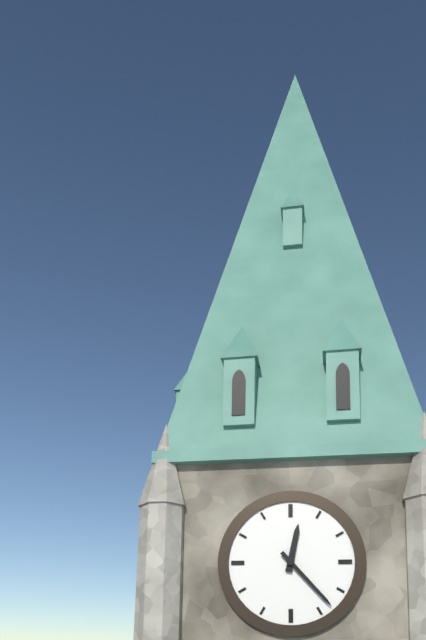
12.23
